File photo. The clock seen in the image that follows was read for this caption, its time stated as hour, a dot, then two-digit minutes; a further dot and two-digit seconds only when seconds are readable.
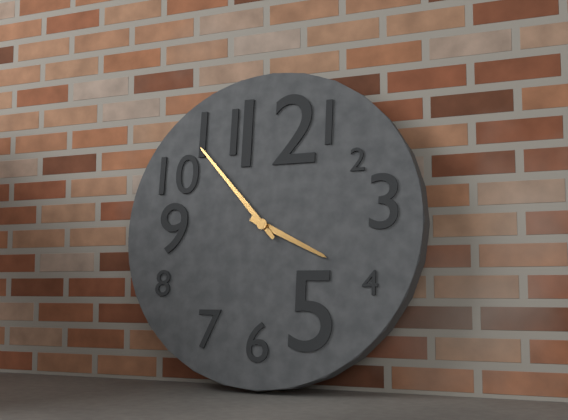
3.53
